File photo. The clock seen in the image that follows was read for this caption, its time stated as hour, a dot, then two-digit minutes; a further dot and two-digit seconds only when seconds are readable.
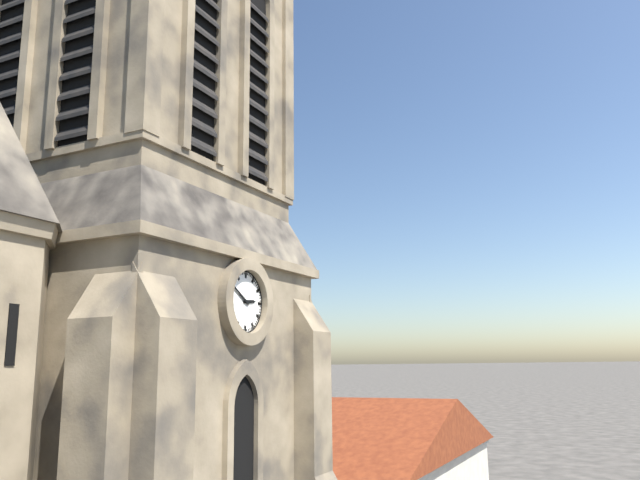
2.50
